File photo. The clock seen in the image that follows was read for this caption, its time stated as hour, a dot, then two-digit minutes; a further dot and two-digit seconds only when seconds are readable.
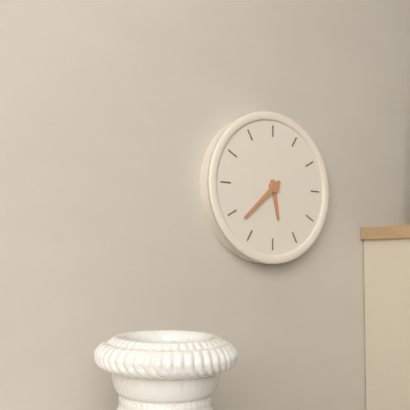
5.38
